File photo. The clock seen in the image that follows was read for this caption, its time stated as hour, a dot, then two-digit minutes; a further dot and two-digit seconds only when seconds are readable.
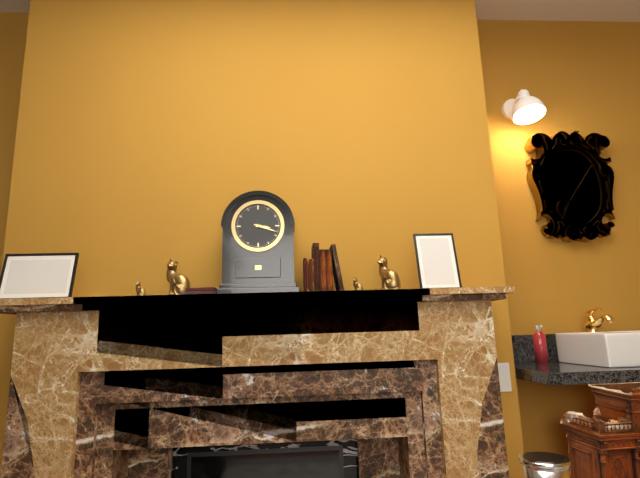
3.18
